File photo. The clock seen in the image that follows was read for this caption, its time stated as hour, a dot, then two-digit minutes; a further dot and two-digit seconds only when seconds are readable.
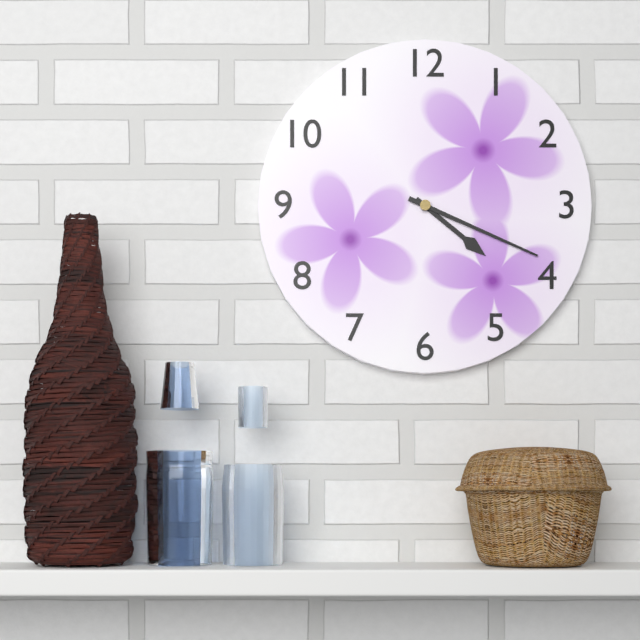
4.19
